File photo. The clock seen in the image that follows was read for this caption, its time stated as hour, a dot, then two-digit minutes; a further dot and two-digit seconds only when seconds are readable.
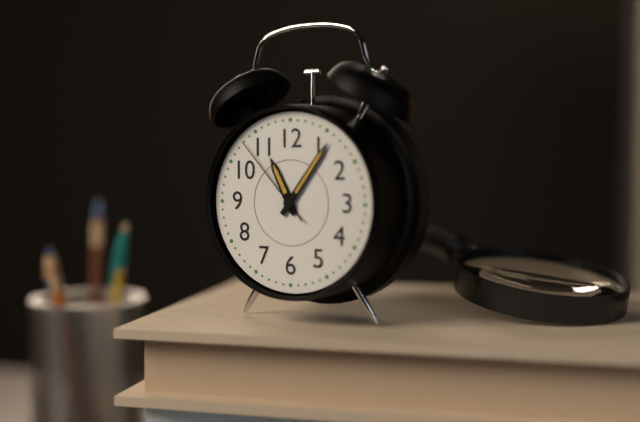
11.06.53
